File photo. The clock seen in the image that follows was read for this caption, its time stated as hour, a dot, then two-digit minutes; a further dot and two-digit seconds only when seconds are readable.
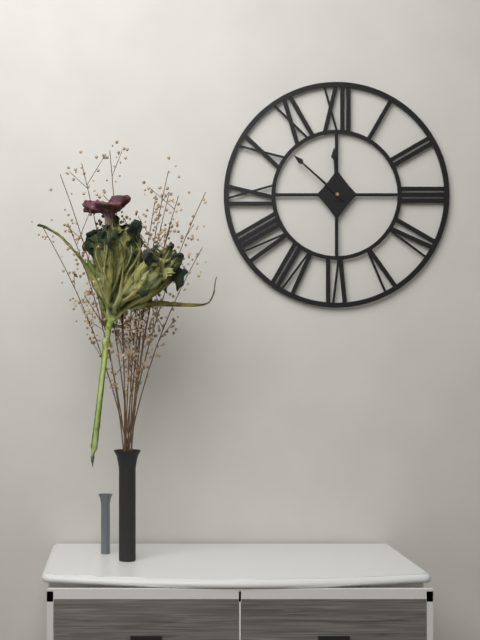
11.52
